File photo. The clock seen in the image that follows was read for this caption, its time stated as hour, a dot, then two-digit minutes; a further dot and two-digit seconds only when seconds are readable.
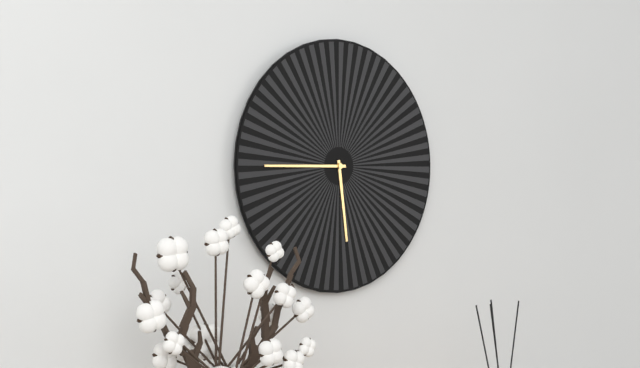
5.45
